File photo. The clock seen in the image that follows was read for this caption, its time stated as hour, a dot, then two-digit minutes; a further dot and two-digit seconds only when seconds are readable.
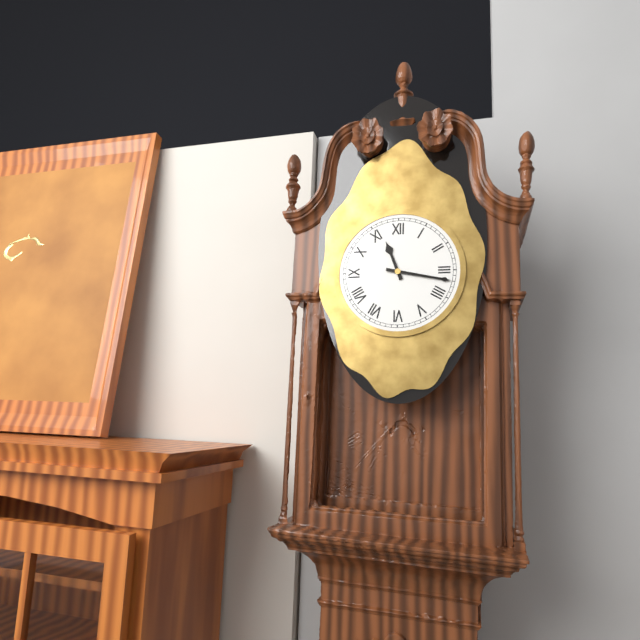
11.17
